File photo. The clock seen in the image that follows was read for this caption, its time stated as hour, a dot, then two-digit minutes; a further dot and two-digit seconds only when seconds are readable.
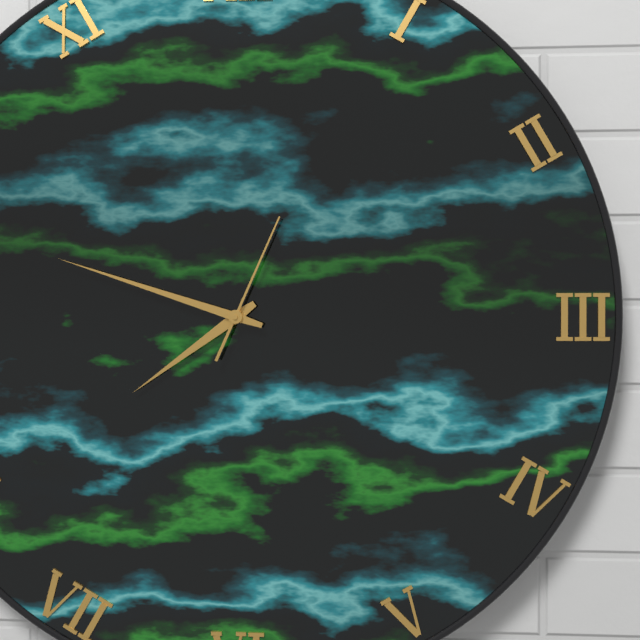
7.48.04
